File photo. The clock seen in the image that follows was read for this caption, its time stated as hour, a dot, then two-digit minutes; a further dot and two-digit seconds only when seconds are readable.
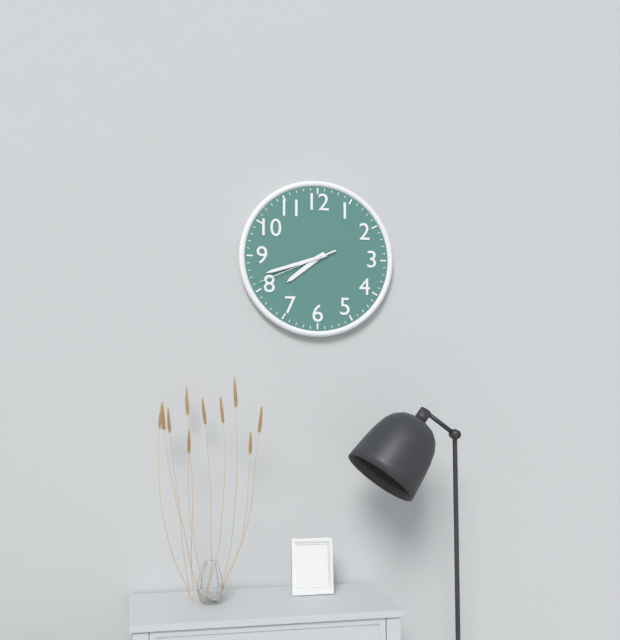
7.42.41
